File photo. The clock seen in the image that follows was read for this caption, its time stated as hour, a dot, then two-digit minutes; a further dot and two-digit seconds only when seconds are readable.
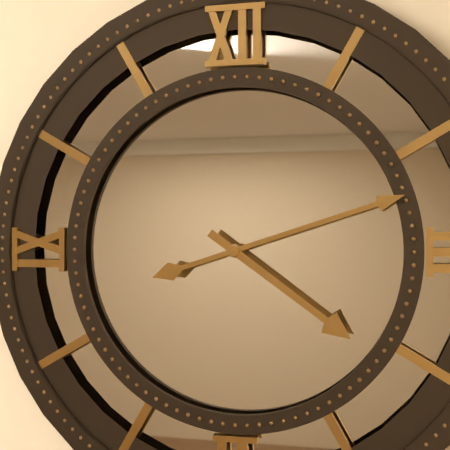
4.12
